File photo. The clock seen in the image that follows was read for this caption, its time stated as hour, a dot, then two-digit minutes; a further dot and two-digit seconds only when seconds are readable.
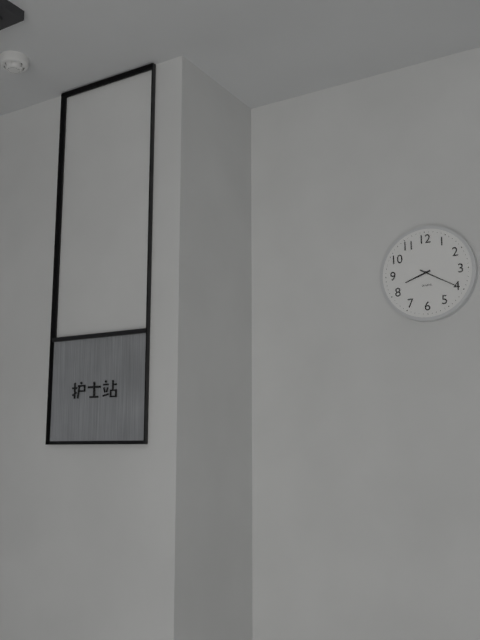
8.20
